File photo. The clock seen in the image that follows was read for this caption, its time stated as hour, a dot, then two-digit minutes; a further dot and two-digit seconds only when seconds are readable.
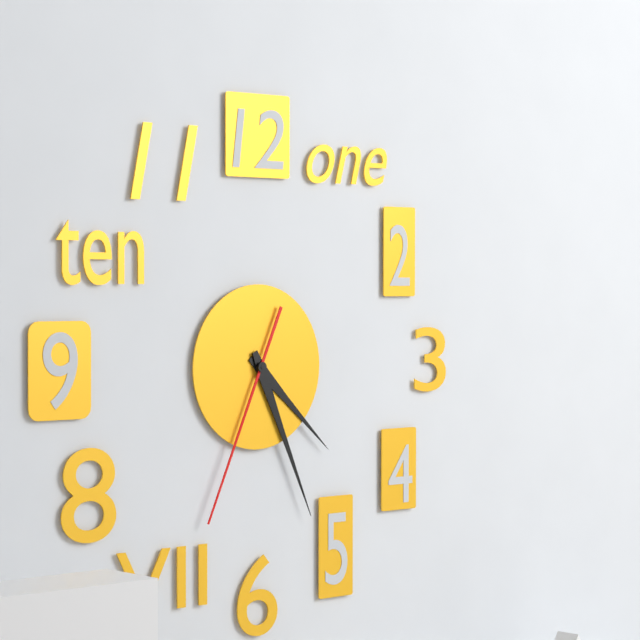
4.26.34
